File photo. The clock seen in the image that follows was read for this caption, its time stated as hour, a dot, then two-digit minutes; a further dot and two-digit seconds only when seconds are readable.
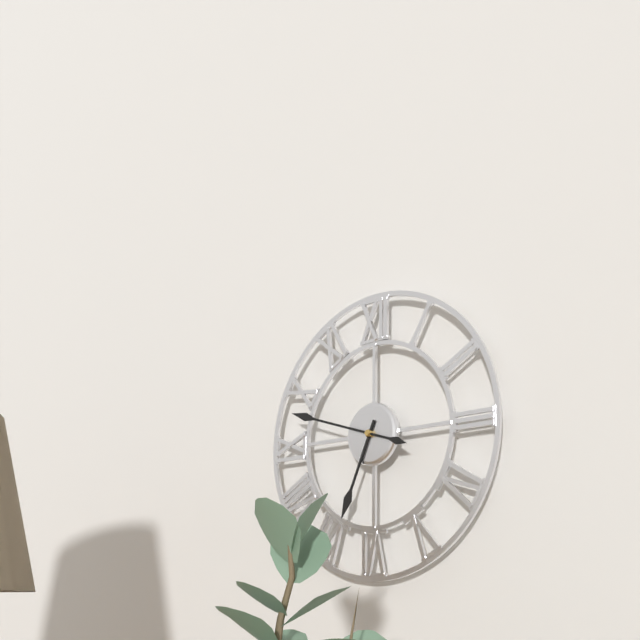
6.48
